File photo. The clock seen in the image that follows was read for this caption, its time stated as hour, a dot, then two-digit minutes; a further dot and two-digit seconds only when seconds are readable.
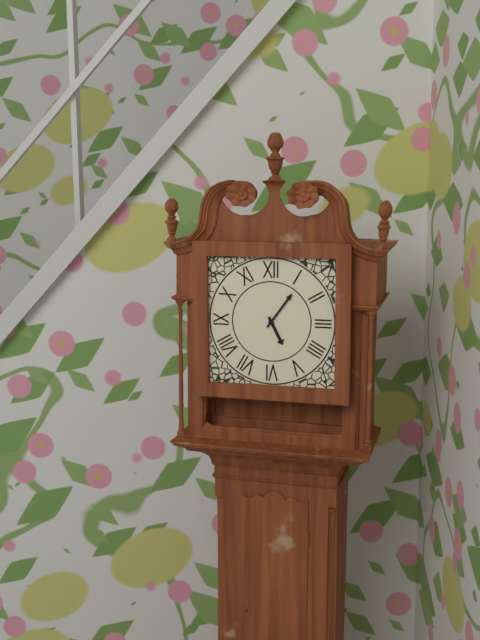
5.06
